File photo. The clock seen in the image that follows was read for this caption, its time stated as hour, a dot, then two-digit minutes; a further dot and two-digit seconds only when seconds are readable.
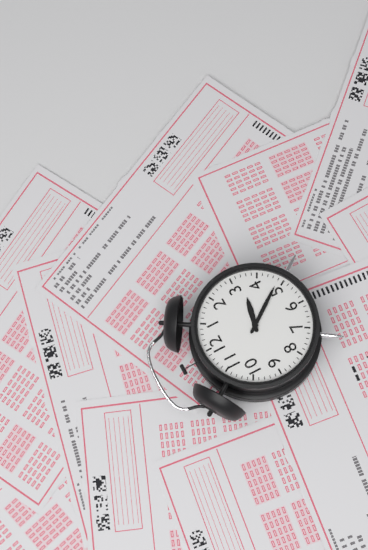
3.24
